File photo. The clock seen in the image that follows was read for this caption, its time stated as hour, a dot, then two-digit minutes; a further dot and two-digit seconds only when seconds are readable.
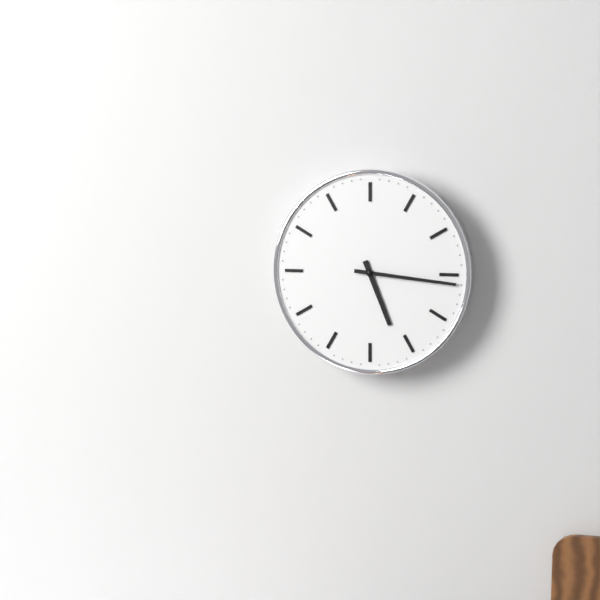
5.16
